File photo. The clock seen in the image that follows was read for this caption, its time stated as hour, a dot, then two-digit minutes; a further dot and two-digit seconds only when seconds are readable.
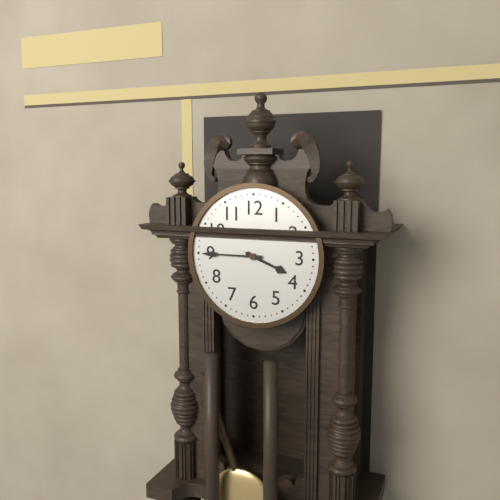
3.45
